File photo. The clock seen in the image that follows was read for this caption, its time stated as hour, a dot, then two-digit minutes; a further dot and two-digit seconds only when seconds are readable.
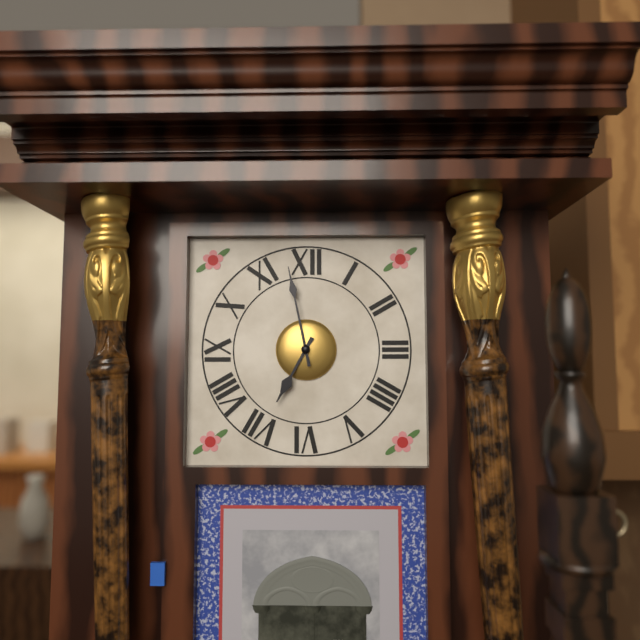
6.58
